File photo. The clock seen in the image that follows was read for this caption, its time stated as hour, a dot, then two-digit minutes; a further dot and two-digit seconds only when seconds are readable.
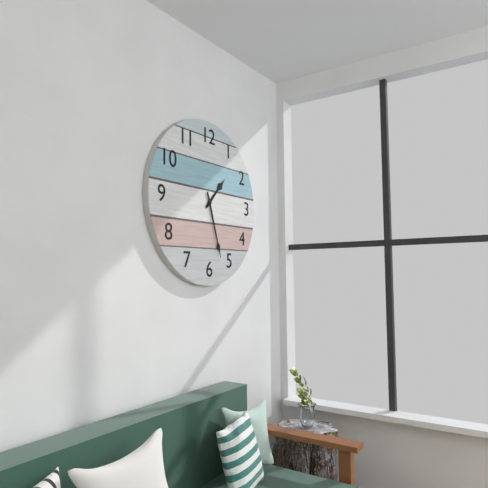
1.27
